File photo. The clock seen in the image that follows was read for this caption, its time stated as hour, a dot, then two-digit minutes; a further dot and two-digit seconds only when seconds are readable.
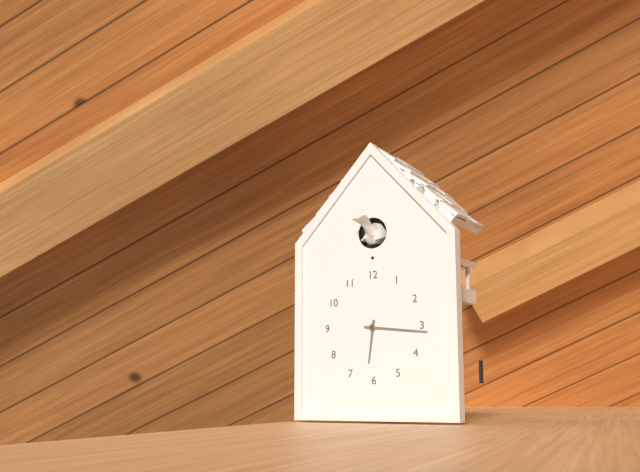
6.16
